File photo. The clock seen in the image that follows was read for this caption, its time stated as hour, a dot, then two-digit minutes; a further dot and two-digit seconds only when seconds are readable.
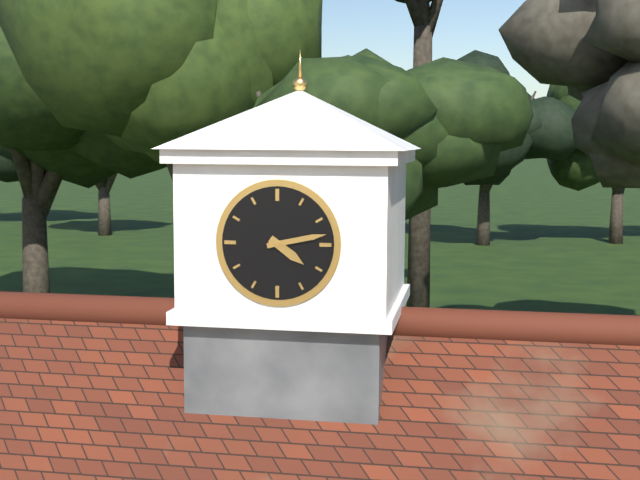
4.13
